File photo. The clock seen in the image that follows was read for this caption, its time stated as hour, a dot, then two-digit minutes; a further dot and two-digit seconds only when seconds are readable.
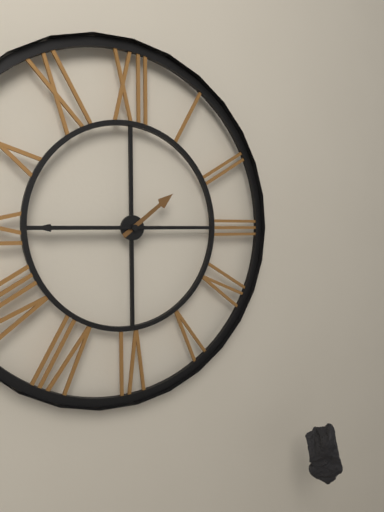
1.45
